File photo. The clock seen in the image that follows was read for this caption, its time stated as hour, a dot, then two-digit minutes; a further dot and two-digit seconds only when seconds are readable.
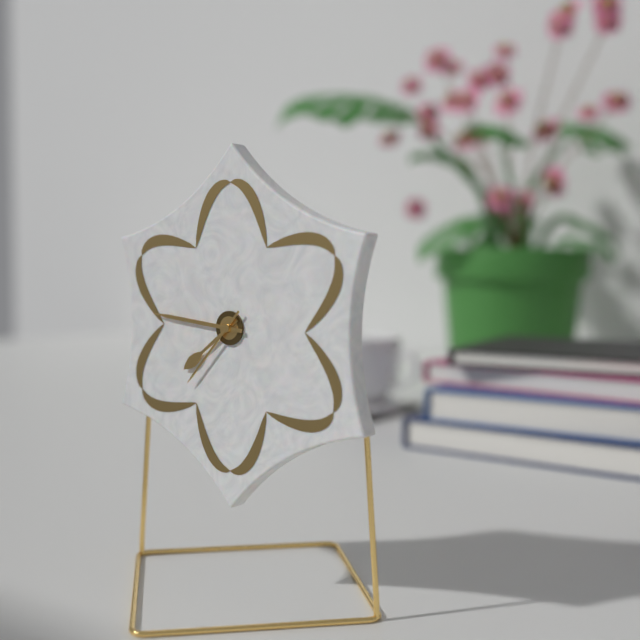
7.46.37
